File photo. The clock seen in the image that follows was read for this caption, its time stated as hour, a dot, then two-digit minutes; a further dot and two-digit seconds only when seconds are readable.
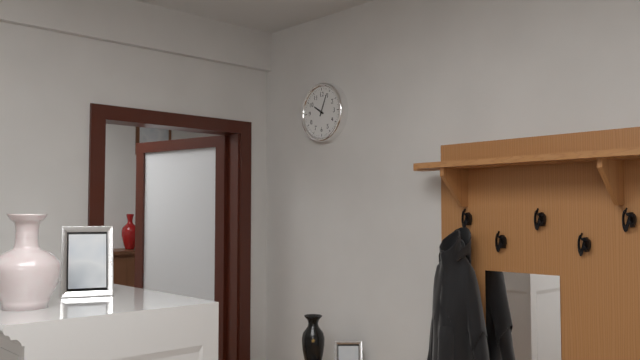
10.04
